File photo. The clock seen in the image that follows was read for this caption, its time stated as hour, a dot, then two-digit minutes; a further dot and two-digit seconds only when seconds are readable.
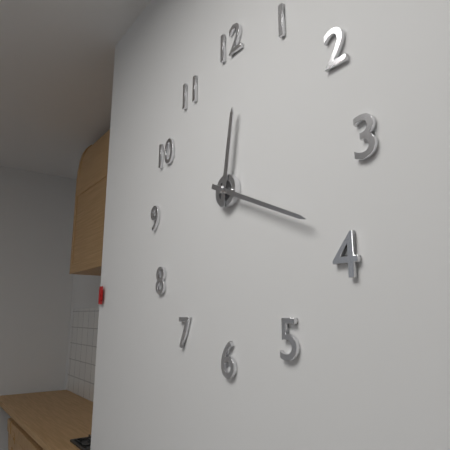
12.19
